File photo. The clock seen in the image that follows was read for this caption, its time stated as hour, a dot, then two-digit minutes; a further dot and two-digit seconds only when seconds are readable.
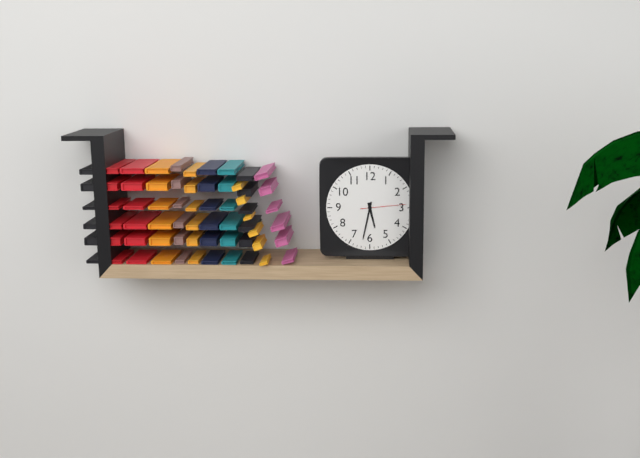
5.32
